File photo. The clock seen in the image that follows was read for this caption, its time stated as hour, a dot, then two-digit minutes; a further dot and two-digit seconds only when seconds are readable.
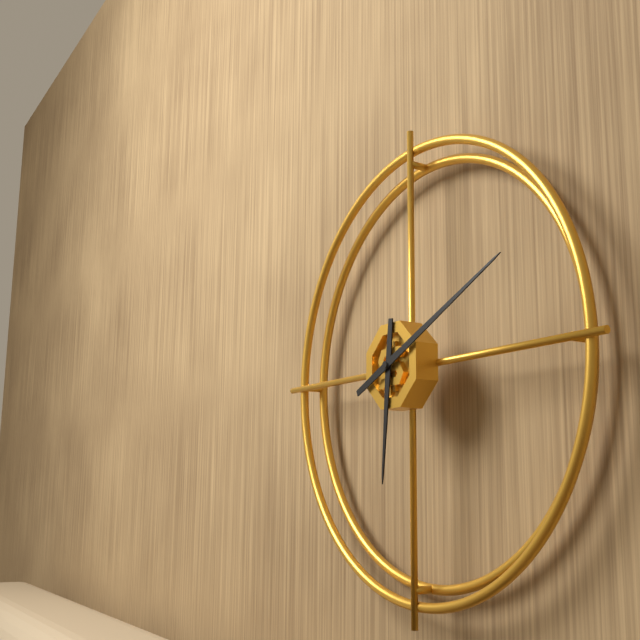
6.11
